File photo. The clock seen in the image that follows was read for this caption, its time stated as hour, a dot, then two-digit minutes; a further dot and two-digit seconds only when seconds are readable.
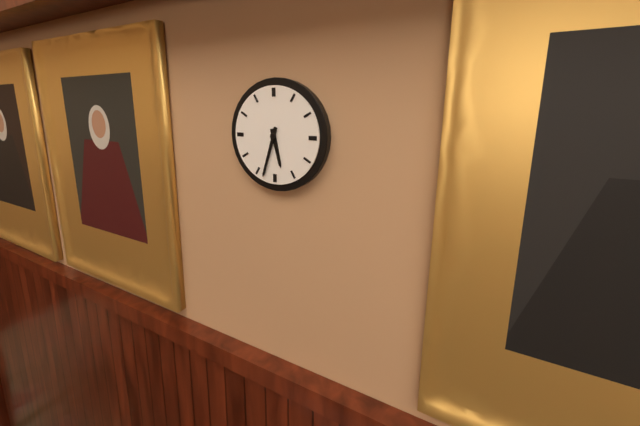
5.33
